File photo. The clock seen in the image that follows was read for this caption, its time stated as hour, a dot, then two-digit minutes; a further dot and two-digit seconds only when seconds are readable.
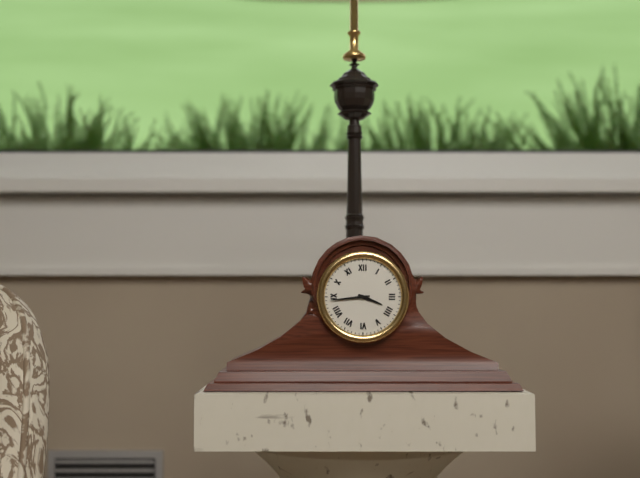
3.44
